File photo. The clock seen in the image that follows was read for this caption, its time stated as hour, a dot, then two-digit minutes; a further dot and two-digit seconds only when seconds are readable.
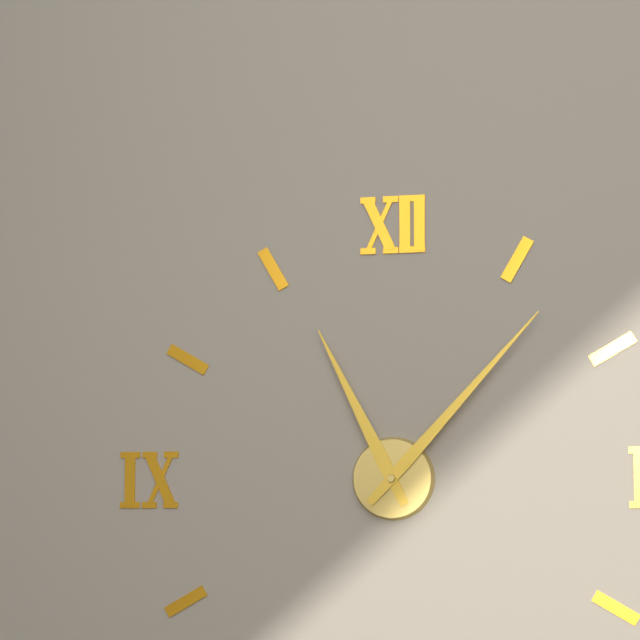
11.07
